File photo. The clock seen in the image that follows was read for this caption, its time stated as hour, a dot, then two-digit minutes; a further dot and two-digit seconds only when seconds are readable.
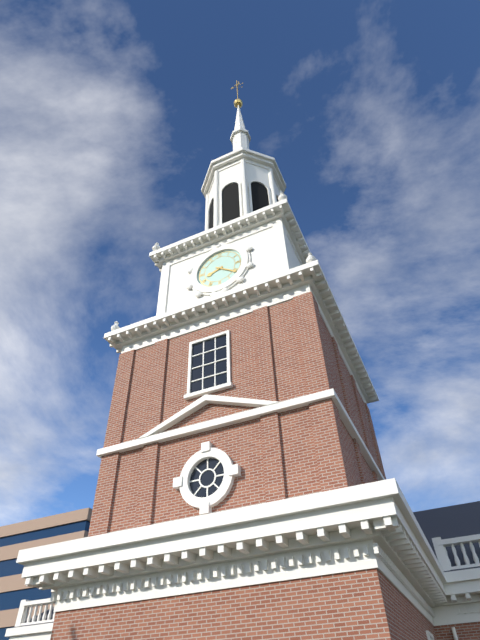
8.21
